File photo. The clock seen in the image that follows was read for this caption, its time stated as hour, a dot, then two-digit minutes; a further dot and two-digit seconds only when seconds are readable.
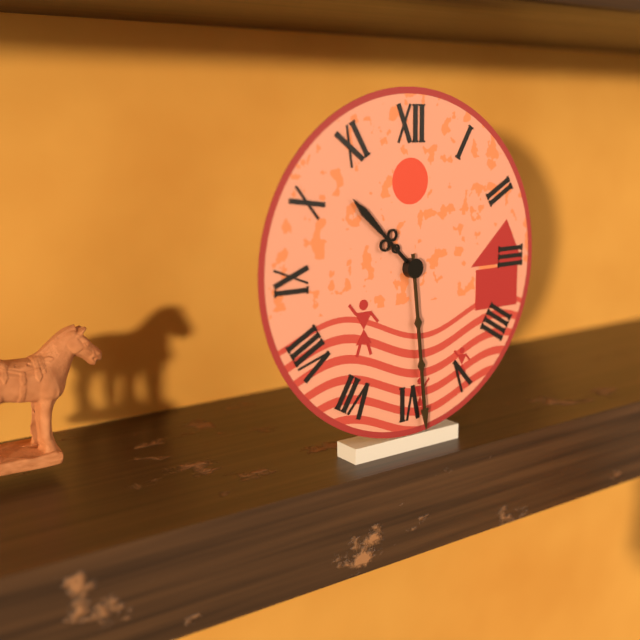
10.29
